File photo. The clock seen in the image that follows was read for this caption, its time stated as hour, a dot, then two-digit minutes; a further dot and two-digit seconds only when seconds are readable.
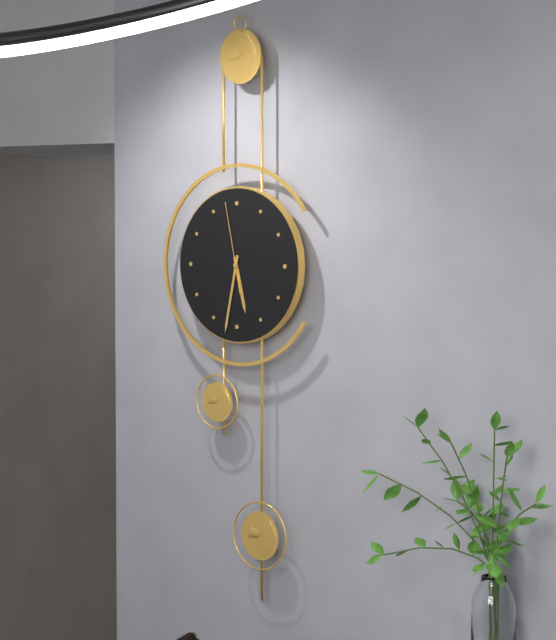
5.32.58
